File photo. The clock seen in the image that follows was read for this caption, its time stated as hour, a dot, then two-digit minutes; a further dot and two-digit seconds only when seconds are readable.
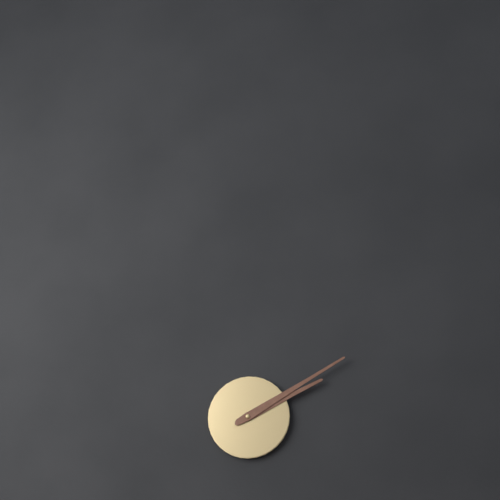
2.10
